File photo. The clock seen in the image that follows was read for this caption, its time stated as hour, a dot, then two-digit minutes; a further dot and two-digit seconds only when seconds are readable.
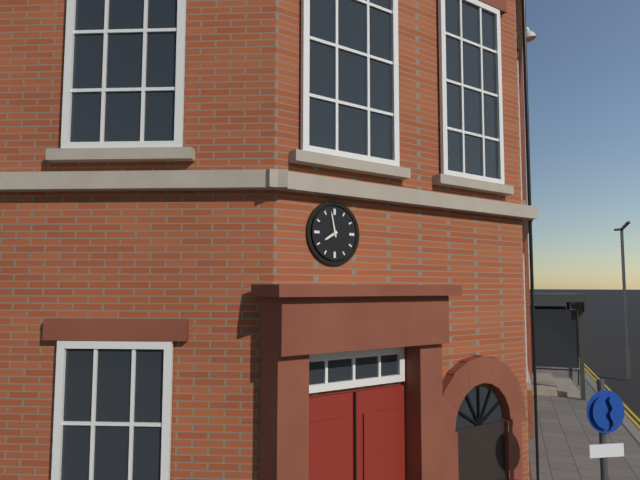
7.58
